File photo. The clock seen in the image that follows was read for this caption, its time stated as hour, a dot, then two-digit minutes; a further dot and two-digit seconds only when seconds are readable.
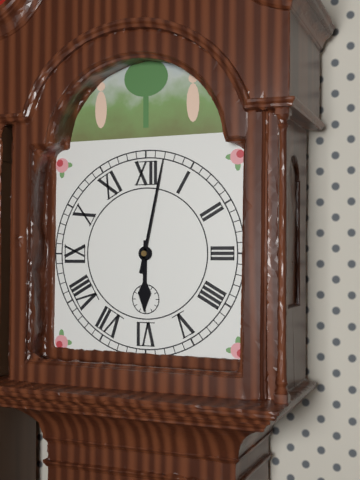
6.02
